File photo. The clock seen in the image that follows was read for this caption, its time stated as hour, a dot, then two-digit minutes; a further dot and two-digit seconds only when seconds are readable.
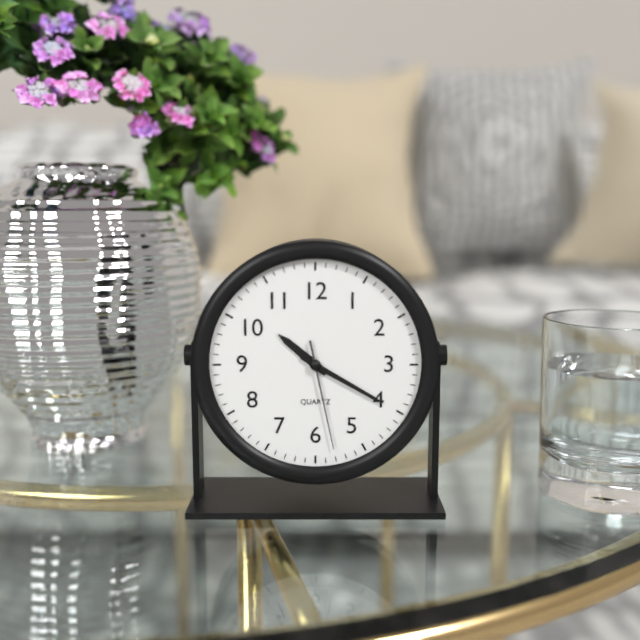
10.20.28
